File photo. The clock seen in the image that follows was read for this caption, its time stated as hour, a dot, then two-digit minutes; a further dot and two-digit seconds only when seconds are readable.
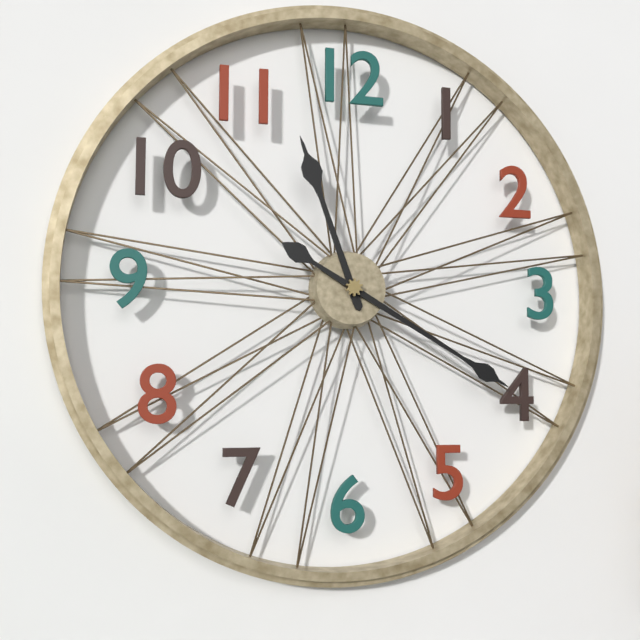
11.20
